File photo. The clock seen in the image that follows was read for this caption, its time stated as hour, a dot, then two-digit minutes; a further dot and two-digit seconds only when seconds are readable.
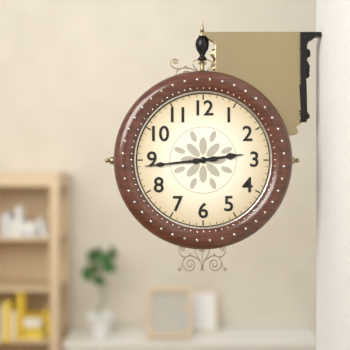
2.44
